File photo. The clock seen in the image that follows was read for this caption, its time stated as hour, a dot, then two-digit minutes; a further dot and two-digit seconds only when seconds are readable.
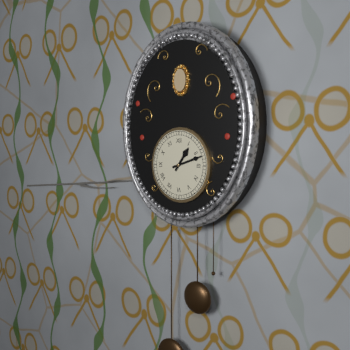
1.12
